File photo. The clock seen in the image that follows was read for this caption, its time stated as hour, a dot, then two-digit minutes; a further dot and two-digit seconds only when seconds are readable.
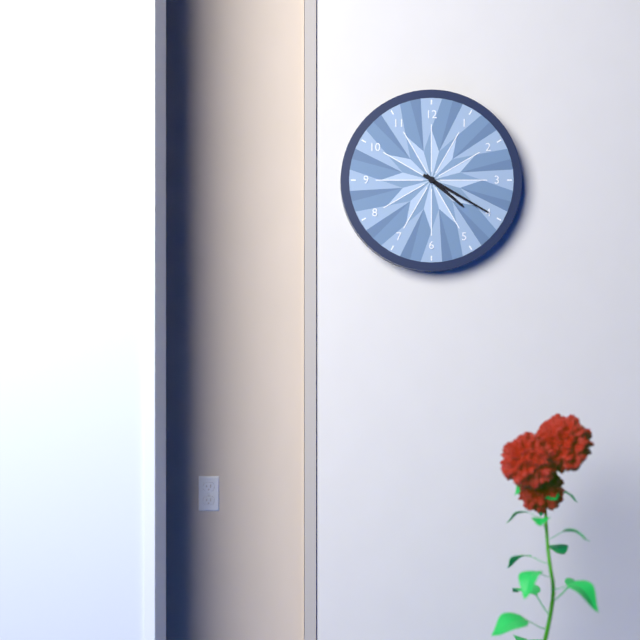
4.20
